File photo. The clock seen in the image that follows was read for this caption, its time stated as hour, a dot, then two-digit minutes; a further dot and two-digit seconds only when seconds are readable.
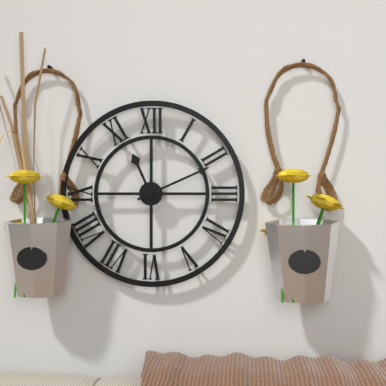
11.11
